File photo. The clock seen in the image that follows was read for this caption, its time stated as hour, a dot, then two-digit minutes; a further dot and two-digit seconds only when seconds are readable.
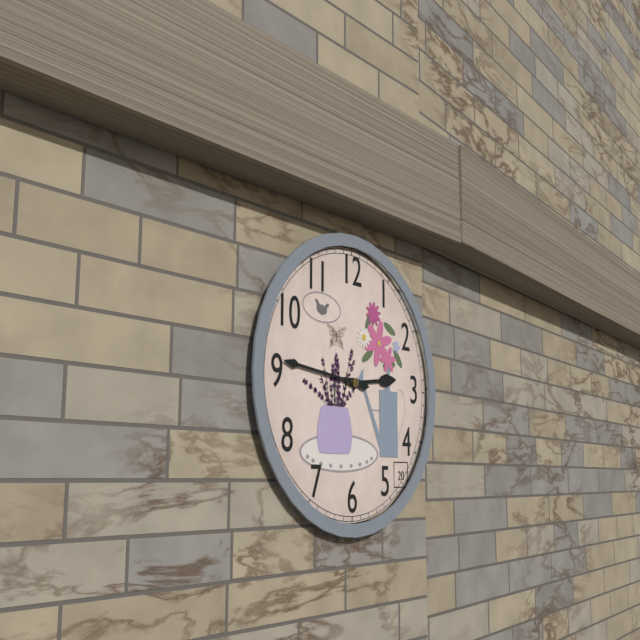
2.46
